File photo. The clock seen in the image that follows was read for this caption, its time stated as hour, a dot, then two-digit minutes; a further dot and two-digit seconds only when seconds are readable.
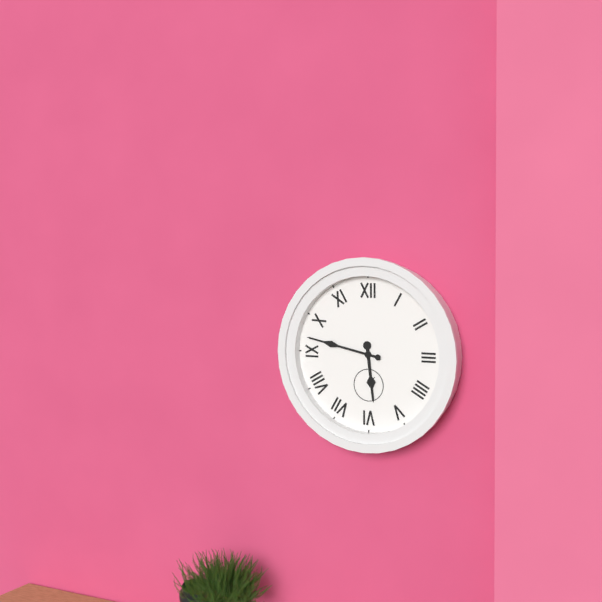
5.47
